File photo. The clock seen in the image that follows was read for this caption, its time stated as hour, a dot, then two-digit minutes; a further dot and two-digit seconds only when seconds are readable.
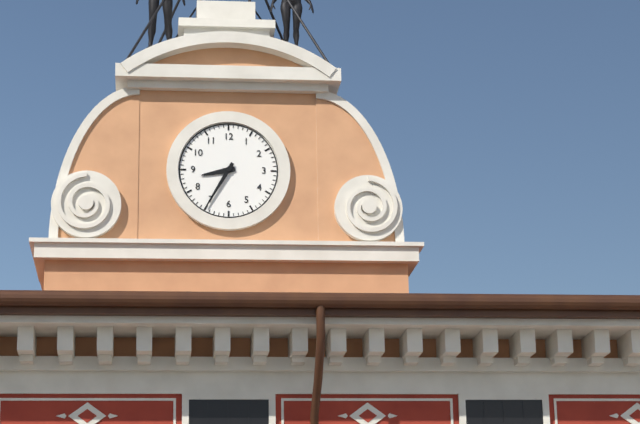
8.35
